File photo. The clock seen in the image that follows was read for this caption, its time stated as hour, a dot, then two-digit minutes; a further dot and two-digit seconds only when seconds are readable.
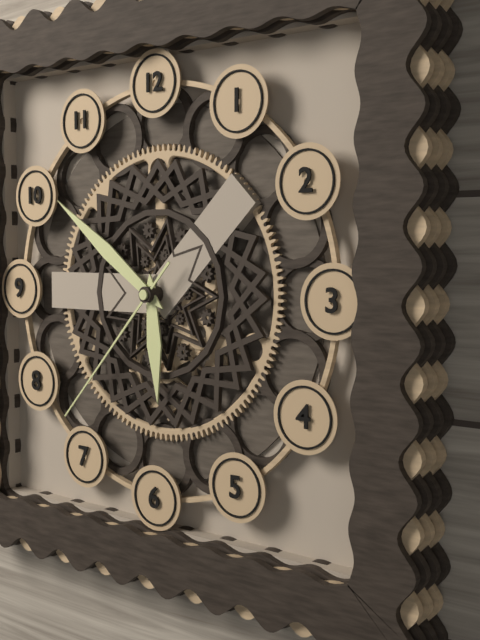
5.51.37
